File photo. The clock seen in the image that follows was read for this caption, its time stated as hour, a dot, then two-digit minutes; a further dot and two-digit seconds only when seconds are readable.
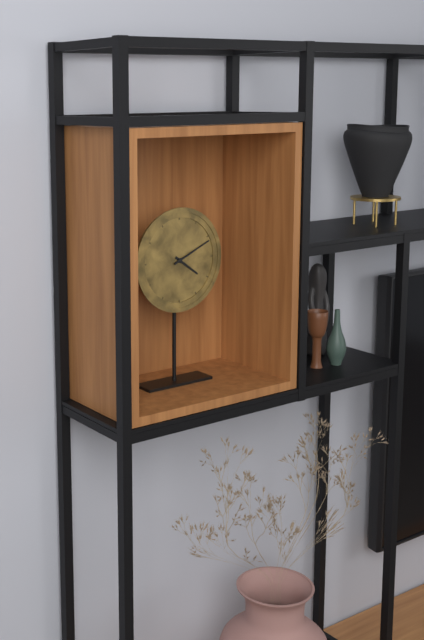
4.11
